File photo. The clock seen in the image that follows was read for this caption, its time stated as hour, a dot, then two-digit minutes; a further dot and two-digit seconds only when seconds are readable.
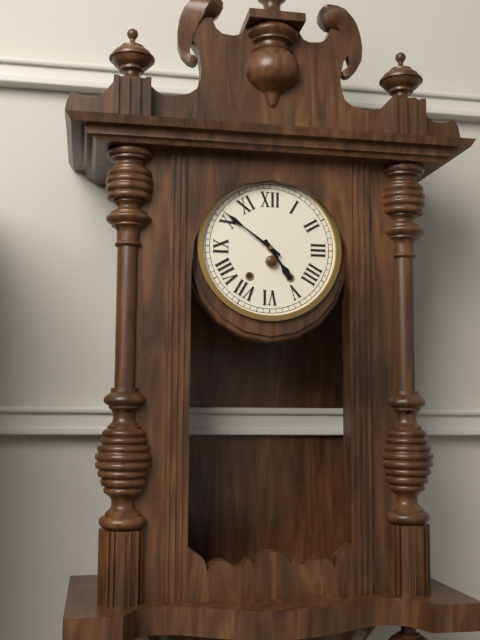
4.51
